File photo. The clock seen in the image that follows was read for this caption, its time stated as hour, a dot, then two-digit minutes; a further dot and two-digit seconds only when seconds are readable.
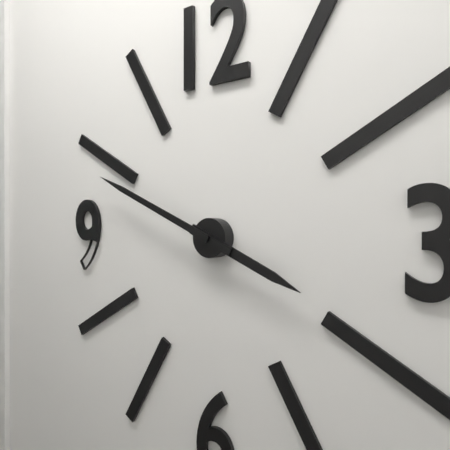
3.49
